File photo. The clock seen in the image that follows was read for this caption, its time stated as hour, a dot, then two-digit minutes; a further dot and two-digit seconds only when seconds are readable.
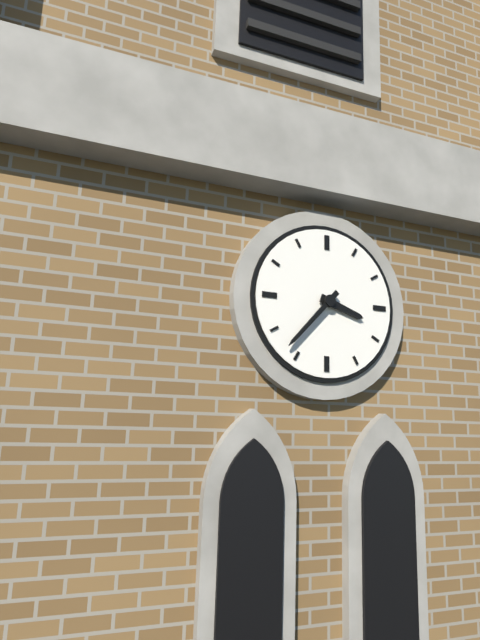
3.37
